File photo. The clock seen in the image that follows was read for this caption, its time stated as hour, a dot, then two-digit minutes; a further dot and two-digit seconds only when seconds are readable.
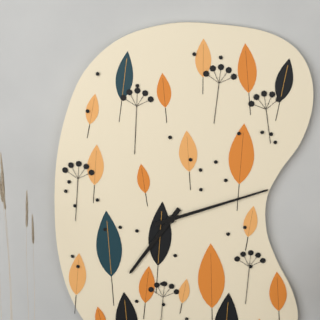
7.12
